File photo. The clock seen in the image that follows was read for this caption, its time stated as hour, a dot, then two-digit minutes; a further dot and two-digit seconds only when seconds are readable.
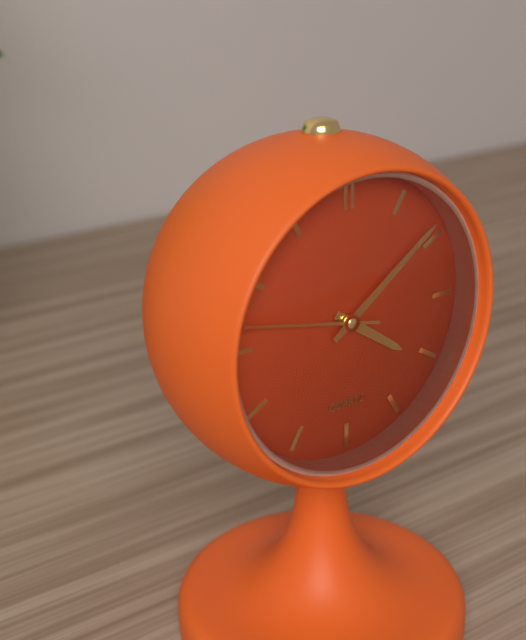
4.09.47
